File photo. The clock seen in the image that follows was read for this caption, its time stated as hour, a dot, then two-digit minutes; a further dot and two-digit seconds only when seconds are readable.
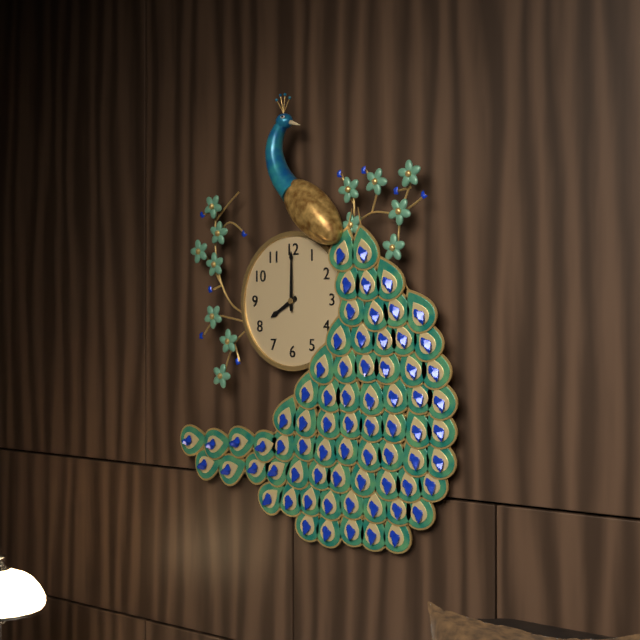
8.00
